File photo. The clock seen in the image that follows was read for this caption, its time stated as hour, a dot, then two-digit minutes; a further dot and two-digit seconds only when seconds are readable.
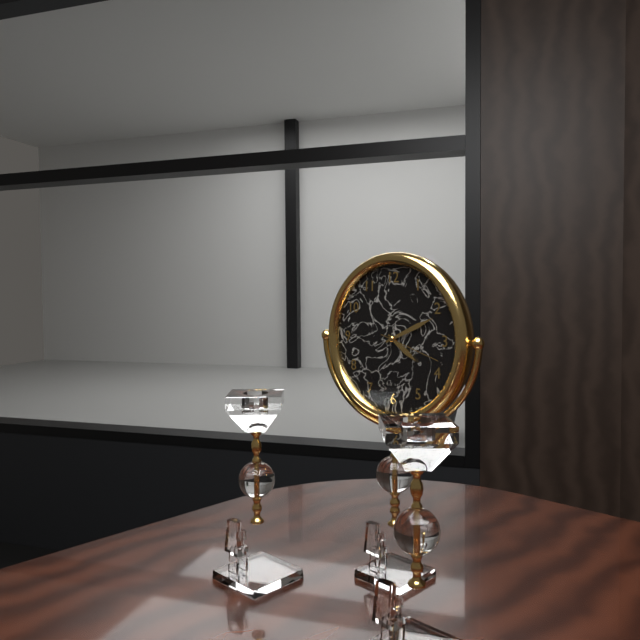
4.11.18
